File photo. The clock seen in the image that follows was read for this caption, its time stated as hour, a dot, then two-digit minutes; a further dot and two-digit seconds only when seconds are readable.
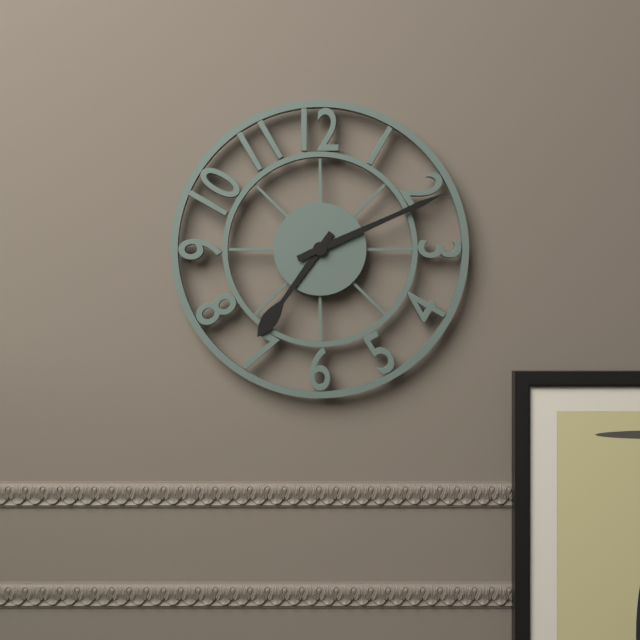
7.11
